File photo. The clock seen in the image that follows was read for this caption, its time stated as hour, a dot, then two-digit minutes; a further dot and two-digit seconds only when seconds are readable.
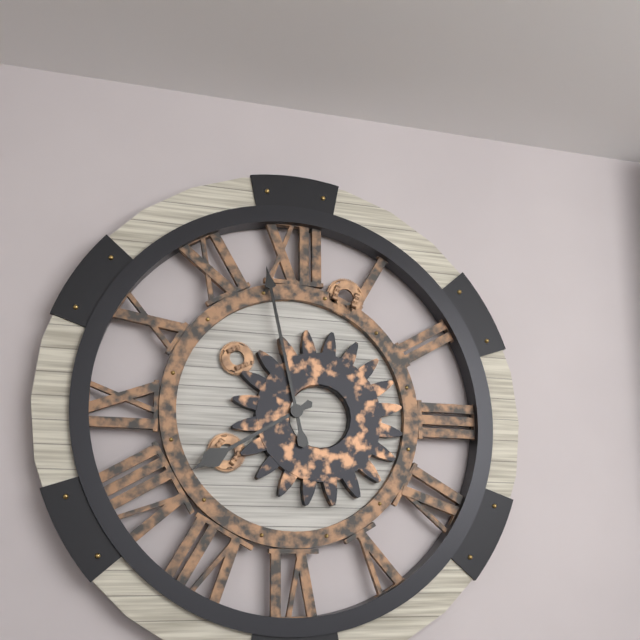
7.58
